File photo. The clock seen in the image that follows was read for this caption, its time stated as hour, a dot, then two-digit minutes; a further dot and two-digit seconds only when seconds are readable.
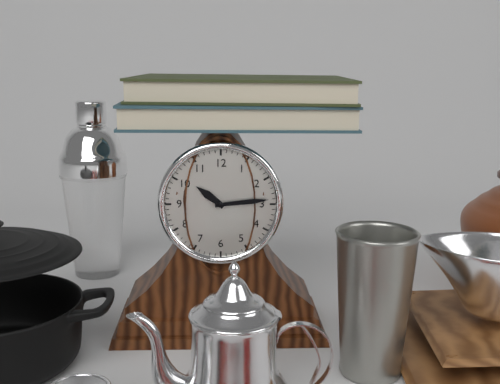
10.14
